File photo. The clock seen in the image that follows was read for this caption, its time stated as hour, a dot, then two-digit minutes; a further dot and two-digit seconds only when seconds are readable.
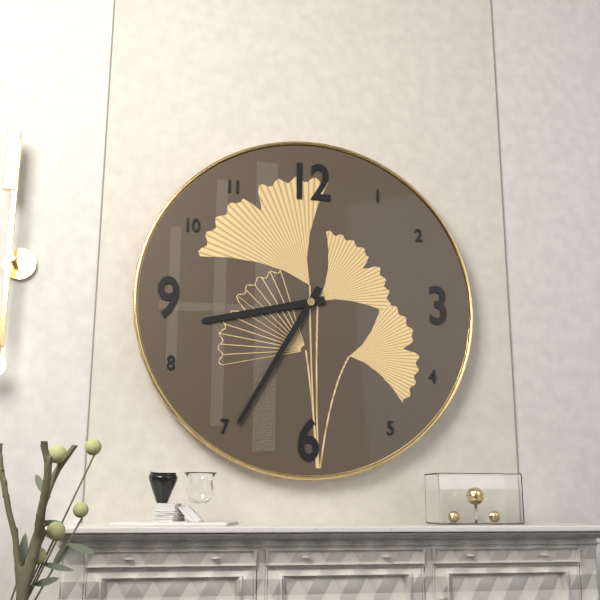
8.35
